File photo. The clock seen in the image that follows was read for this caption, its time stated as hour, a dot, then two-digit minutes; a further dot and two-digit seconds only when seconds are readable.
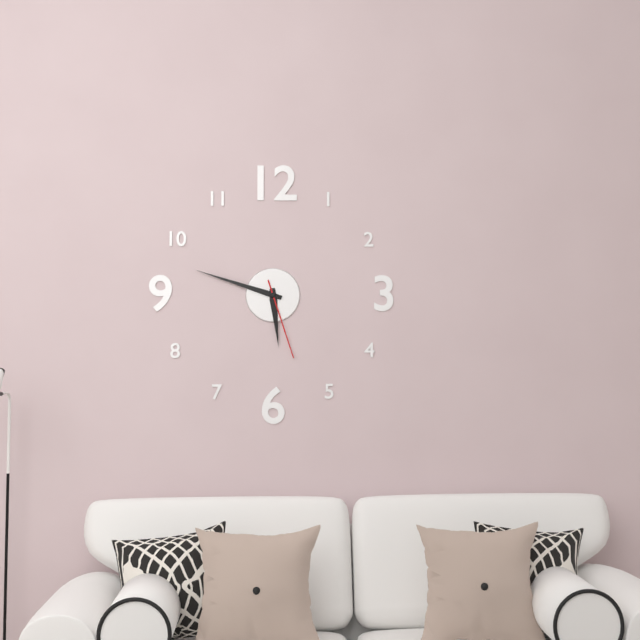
5.48.27
